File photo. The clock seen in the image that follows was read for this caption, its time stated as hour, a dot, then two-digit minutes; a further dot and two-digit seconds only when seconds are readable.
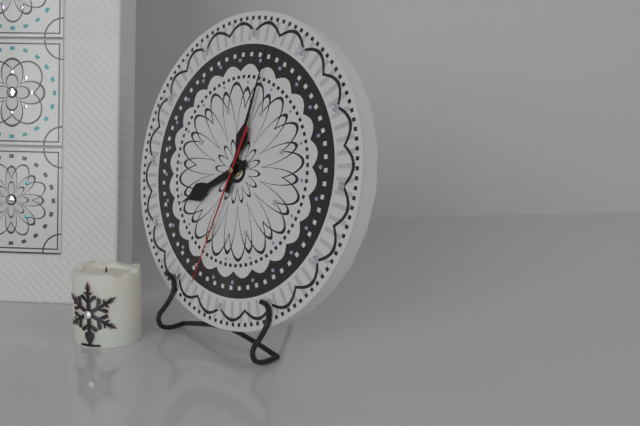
8.02.33
